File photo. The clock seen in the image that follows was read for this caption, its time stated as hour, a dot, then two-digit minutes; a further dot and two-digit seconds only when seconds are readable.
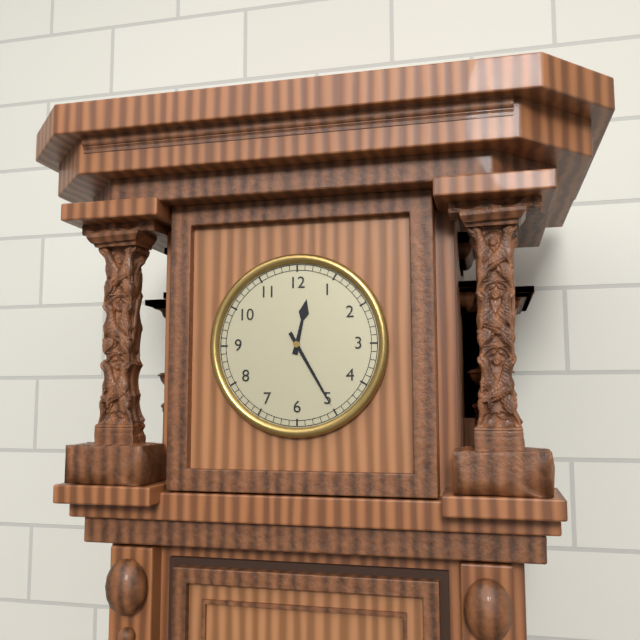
12.25
